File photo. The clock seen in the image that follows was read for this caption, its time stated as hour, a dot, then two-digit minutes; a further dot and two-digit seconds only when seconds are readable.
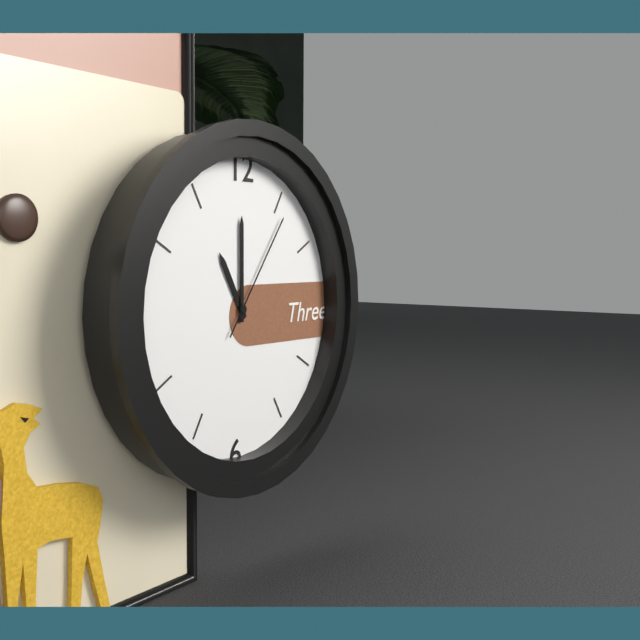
11.00.06
